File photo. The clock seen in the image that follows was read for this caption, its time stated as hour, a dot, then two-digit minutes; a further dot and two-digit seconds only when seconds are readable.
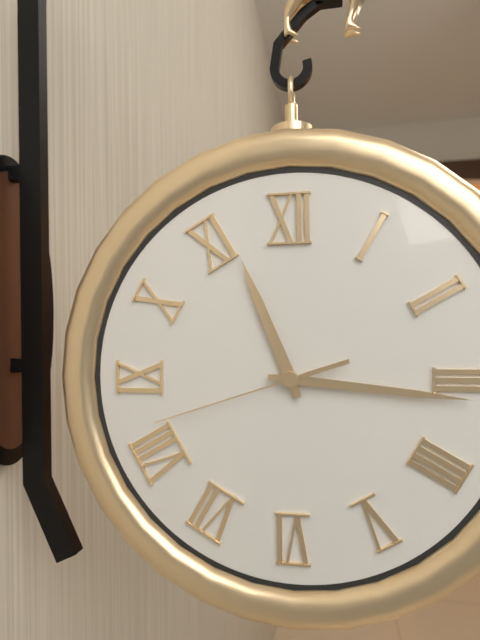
11.16.42
